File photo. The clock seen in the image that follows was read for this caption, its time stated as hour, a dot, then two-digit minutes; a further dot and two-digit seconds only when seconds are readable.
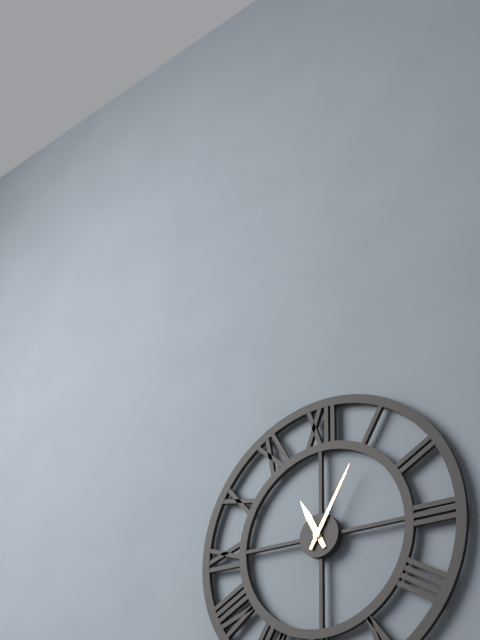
11.05
